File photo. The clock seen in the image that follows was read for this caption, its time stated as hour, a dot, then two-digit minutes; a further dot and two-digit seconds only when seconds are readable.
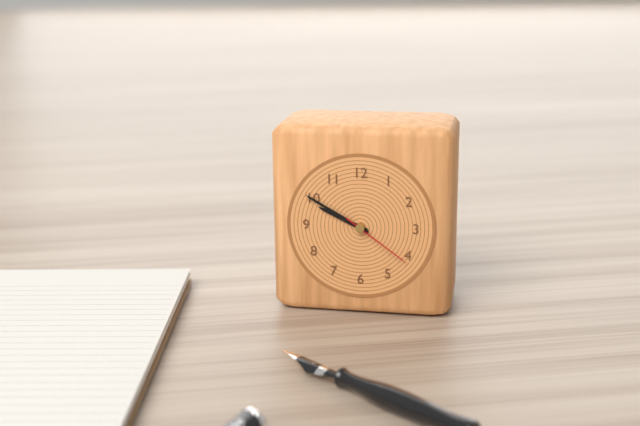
9.50.21
